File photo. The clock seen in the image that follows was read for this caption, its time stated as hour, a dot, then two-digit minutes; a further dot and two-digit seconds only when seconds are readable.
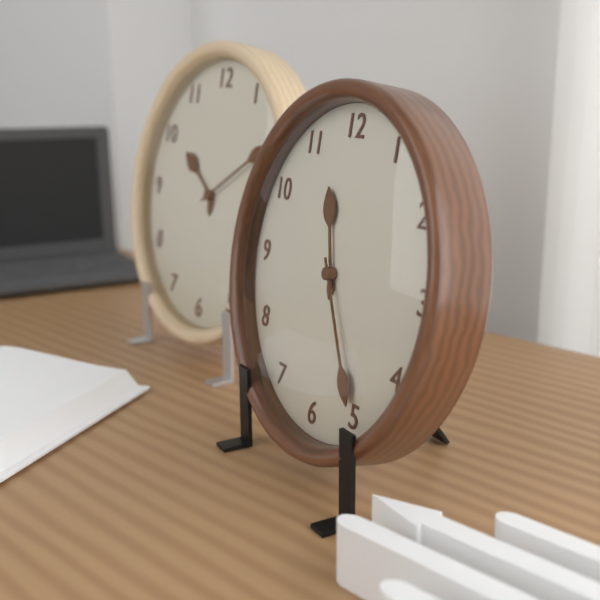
11.25
